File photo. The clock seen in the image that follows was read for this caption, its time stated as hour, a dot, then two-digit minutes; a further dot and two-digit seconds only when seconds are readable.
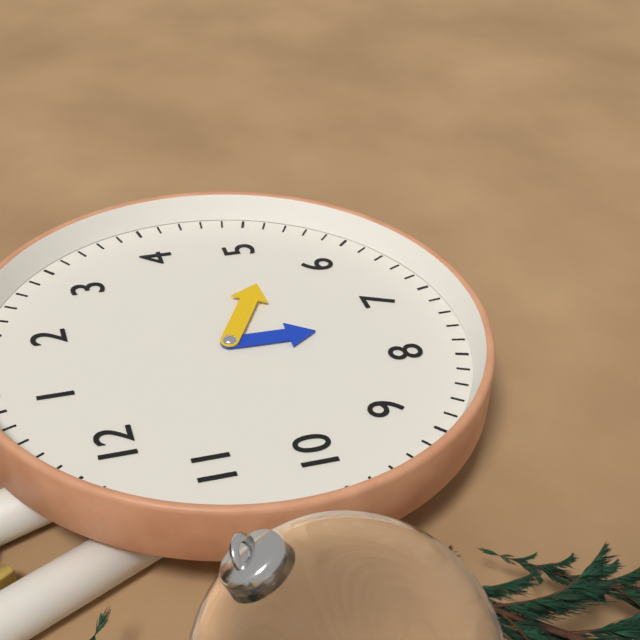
7.27
